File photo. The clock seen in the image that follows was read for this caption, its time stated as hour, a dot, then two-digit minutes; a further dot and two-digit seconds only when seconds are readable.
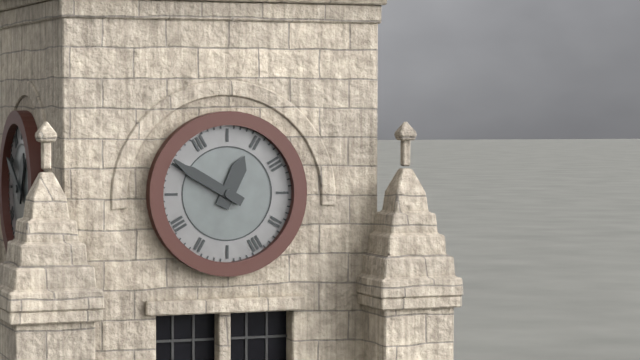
12.50
